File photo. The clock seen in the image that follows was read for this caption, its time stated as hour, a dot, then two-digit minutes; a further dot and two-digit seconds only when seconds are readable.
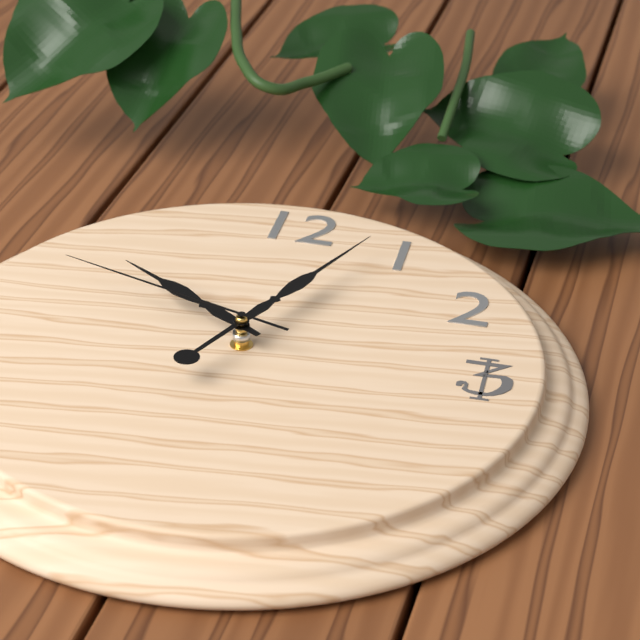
10.04.48
